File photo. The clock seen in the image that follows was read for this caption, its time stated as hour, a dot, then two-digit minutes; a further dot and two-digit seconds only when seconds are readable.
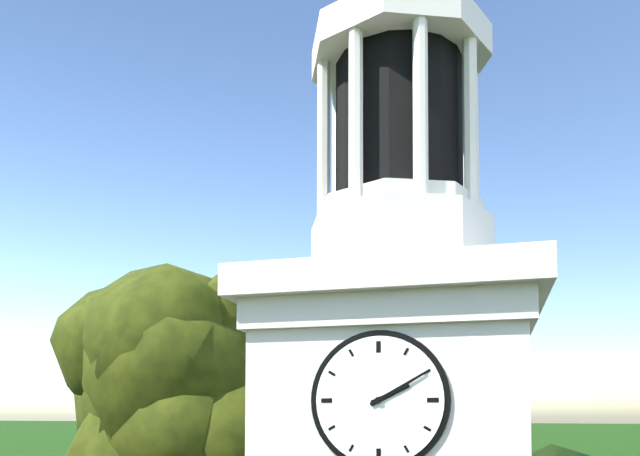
2.10
